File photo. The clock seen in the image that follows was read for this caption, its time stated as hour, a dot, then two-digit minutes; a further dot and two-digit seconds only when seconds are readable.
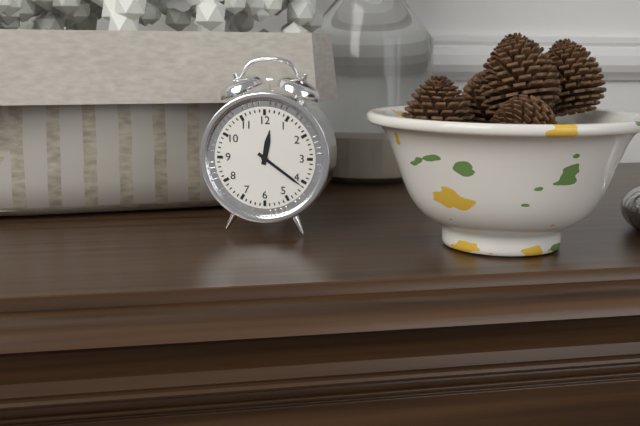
12.21
